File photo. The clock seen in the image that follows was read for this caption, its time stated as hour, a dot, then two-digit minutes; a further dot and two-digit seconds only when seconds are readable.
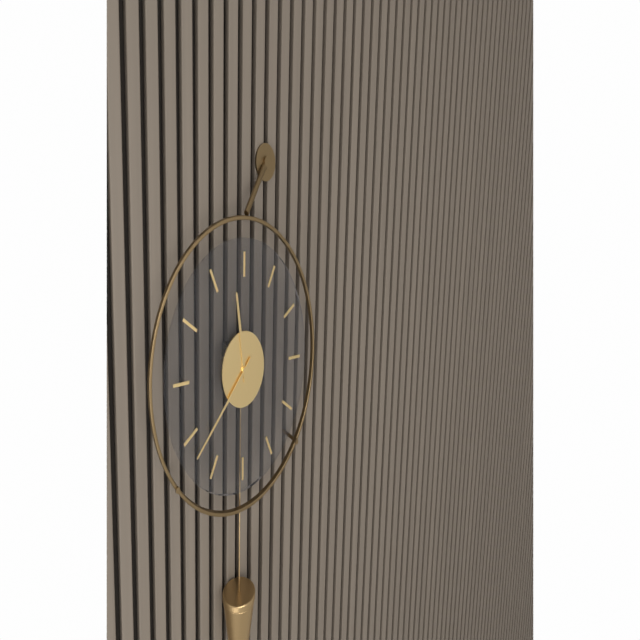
11.38
